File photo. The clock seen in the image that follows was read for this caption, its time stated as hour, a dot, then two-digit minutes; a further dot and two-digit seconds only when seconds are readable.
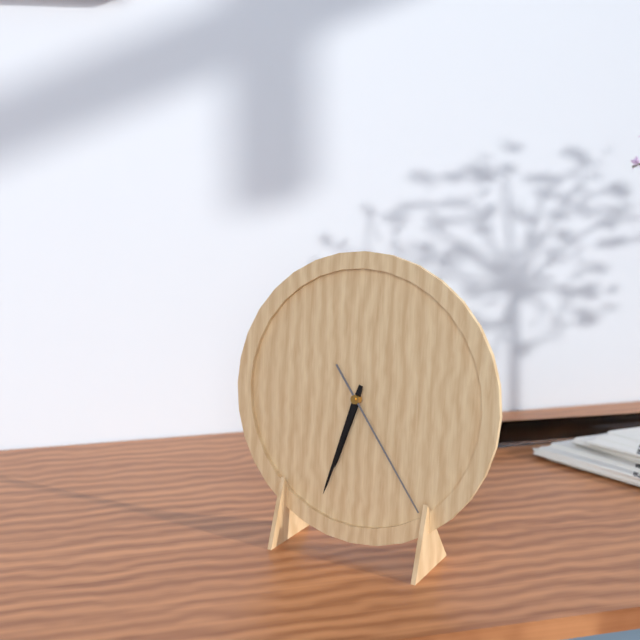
6.33.24
